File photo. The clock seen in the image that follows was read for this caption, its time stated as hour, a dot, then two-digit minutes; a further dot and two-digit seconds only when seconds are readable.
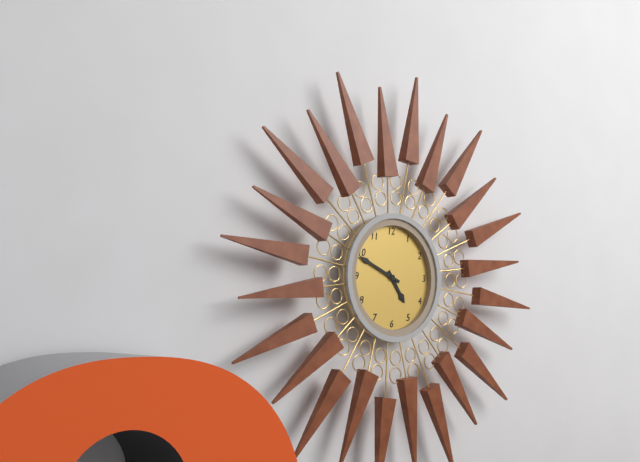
4.49
